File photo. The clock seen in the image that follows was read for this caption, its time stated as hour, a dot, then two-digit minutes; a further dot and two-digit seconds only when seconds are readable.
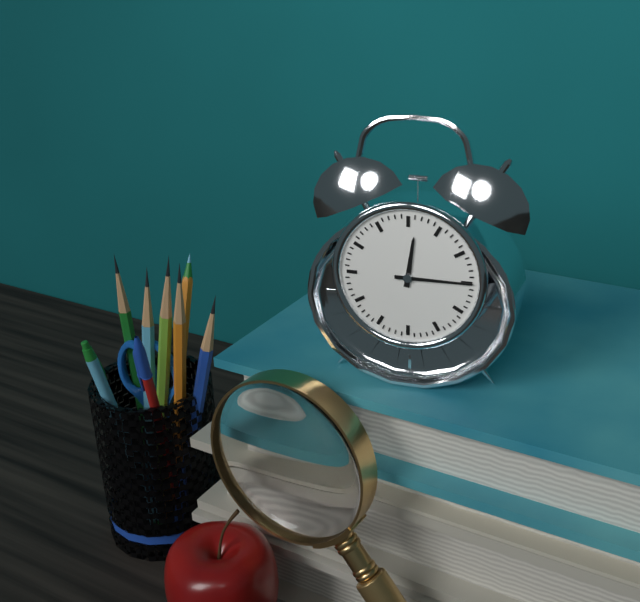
12.15
